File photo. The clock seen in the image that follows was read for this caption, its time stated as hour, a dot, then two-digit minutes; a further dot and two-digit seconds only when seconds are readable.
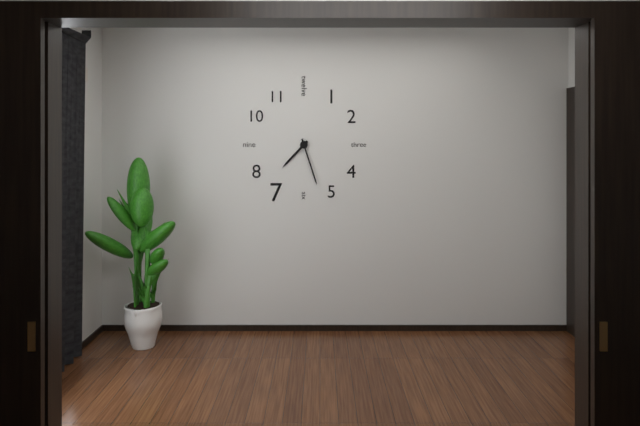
7.27
